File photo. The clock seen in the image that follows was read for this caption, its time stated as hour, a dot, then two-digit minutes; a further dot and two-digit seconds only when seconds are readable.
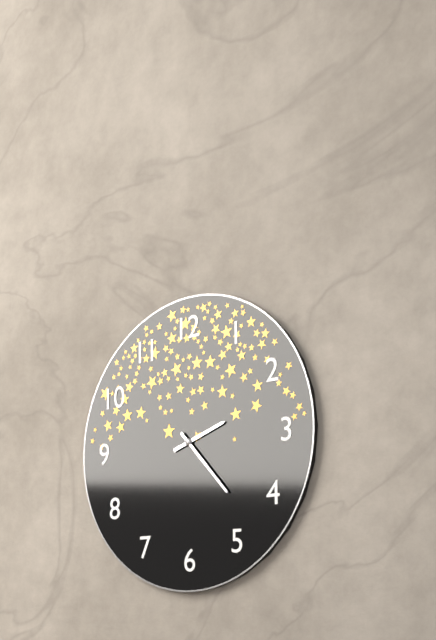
2.23
